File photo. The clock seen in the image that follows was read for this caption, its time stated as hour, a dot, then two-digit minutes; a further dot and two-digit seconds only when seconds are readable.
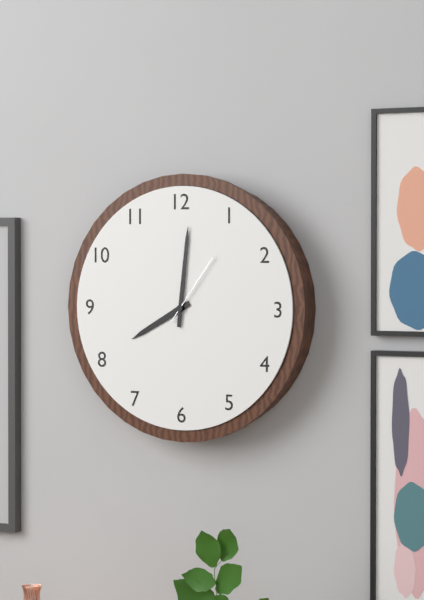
8.01.06
